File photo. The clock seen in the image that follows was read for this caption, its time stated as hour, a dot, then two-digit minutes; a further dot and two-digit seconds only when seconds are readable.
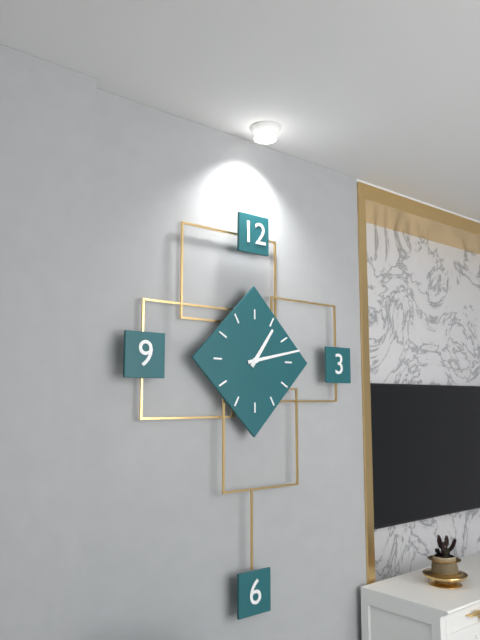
1.13
